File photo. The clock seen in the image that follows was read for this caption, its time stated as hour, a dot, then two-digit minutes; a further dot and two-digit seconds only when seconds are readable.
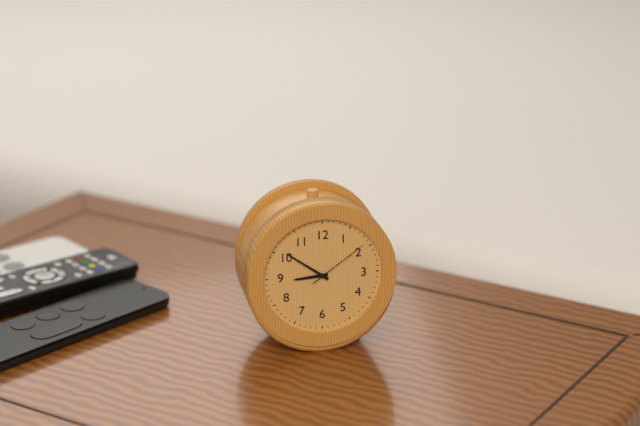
8.51.09
